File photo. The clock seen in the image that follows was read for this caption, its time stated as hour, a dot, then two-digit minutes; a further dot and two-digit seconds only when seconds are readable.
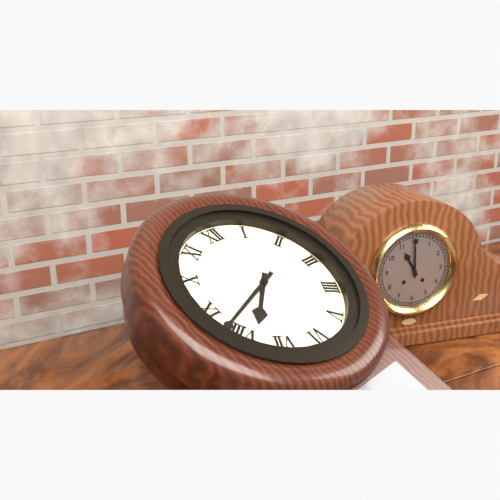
7.42
